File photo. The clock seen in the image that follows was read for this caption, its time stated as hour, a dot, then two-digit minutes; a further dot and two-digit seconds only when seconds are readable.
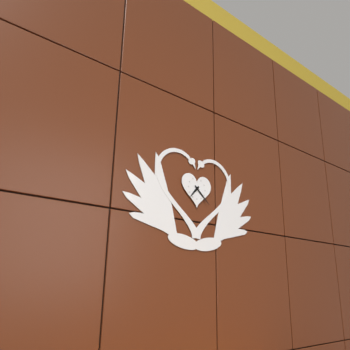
7.22
